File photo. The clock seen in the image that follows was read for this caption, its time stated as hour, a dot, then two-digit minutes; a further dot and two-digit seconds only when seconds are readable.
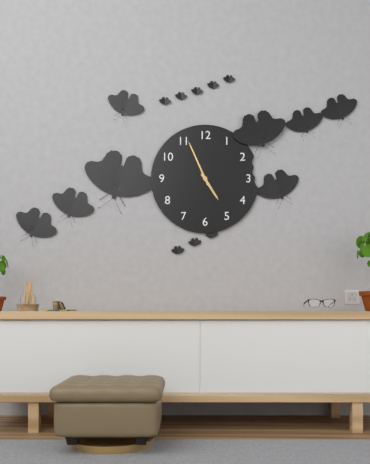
4.56
